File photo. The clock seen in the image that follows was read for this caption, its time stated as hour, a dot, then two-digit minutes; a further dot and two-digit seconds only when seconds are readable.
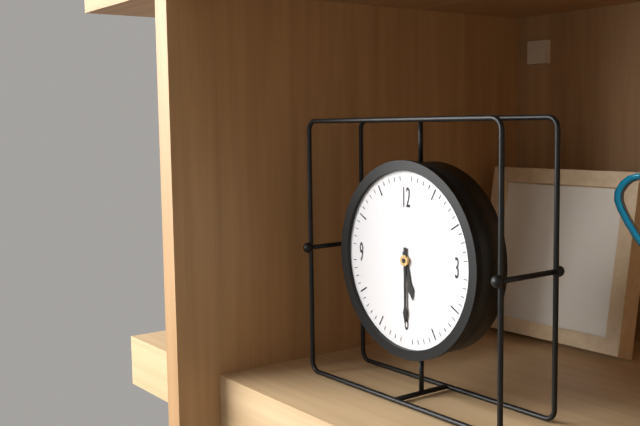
5.30
